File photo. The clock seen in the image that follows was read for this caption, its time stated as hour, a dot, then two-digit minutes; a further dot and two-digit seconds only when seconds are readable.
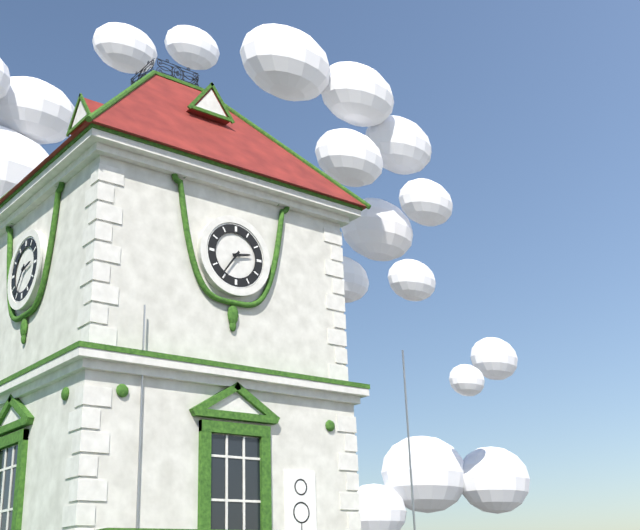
2.36
